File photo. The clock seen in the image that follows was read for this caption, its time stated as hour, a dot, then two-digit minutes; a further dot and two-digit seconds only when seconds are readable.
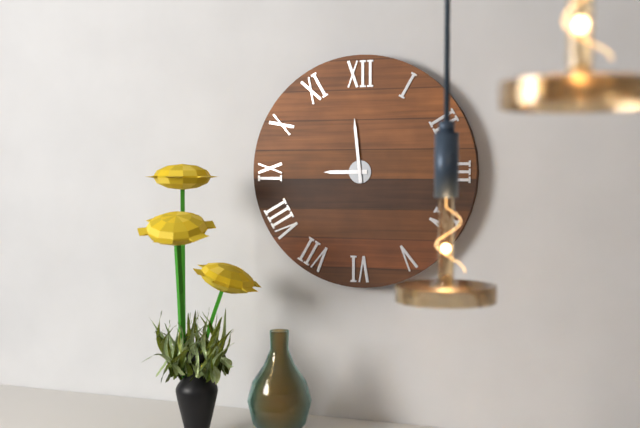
8.59
